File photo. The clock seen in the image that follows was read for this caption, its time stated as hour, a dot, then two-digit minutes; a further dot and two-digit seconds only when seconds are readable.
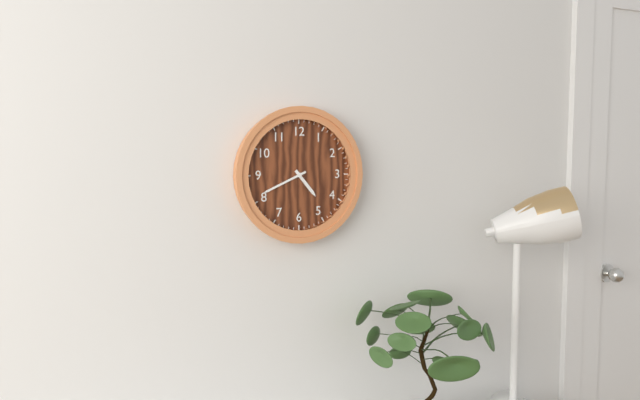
4.41
